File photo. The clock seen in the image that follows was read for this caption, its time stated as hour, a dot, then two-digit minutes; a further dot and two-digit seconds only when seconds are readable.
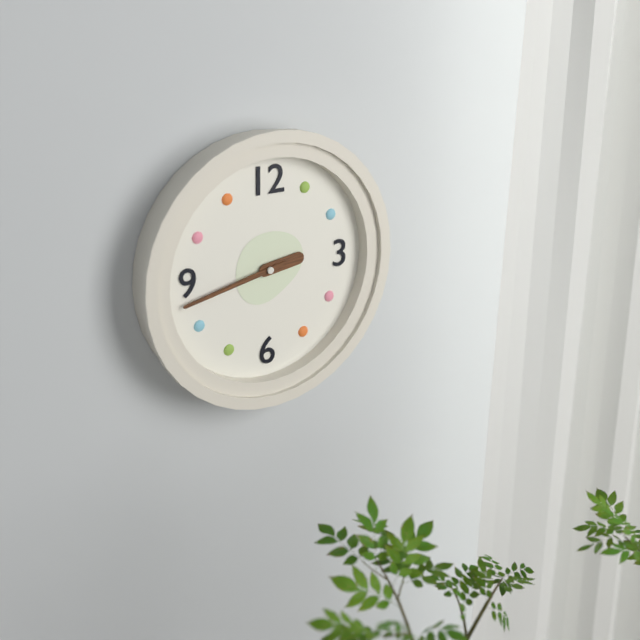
2.43
